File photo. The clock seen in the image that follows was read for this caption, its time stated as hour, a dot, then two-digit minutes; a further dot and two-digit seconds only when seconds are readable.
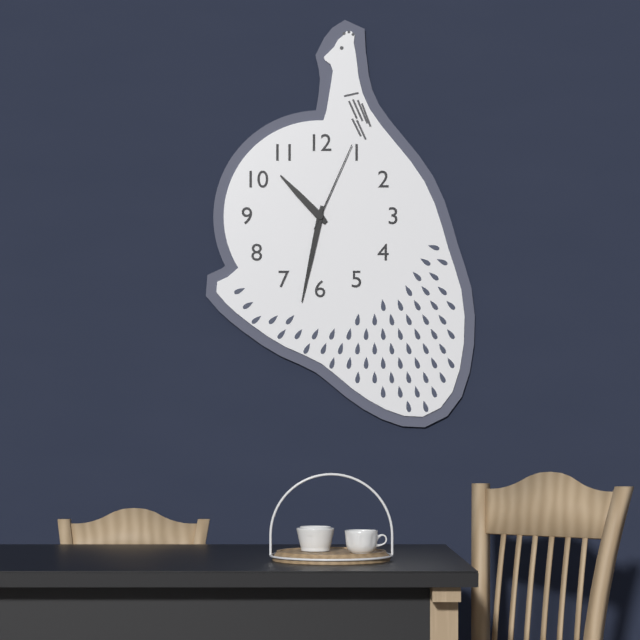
10.32.04
